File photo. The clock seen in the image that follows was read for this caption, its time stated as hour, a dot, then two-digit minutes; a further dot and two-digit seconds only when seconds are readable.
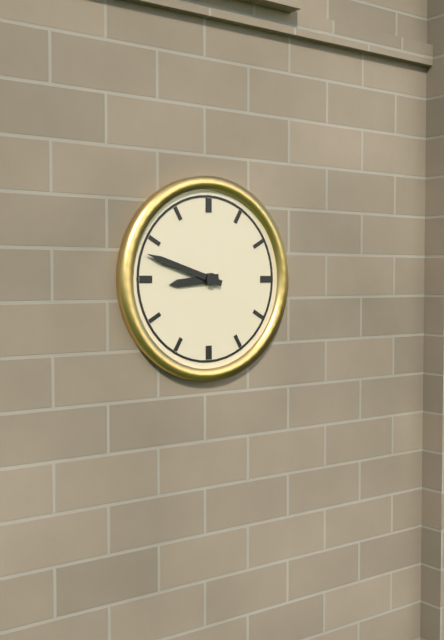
8.48
